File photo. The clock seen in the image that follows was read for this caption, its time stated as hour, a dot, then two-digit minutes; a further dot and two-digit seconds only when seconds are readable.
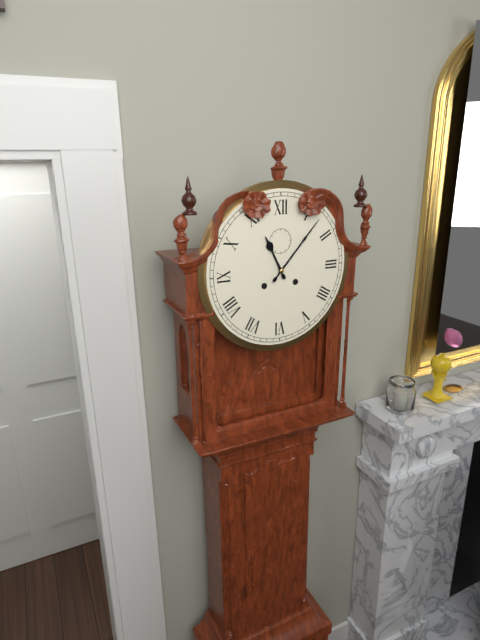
11.07
